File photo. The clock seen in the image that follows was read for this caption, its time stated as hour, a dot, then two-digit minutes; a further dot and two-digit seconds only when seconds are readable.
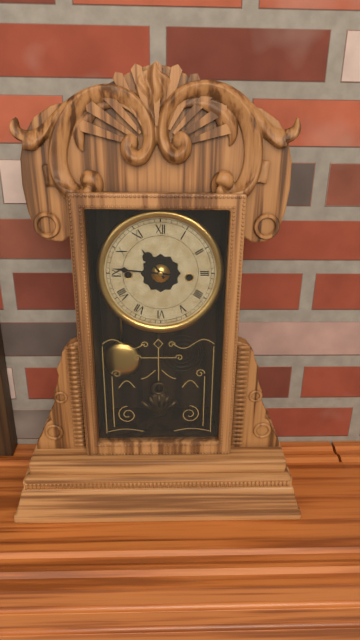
10.46
